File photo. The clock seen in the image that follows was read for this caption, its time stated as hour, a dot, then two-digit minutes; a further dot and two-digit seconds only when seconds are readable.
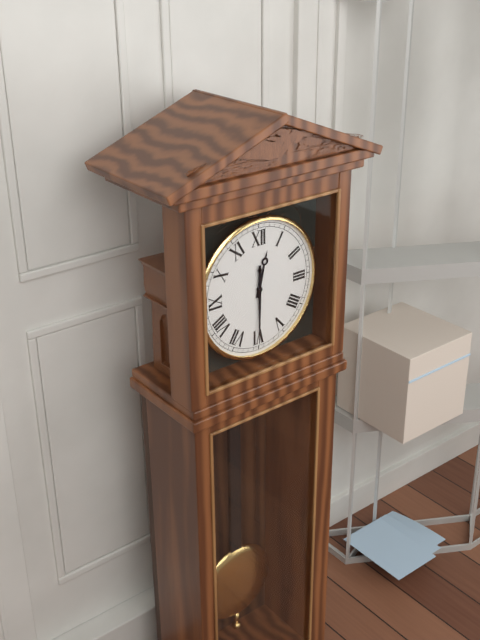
12.30
